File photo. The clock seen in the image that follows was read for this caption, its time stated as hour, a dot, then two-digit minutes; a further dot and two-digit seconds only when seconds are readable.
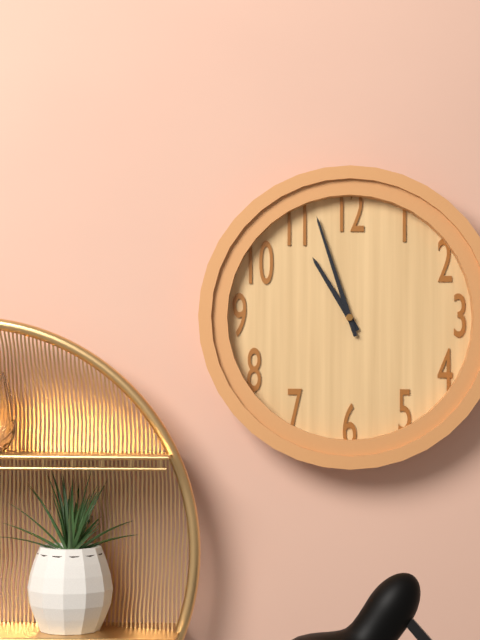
10.57
